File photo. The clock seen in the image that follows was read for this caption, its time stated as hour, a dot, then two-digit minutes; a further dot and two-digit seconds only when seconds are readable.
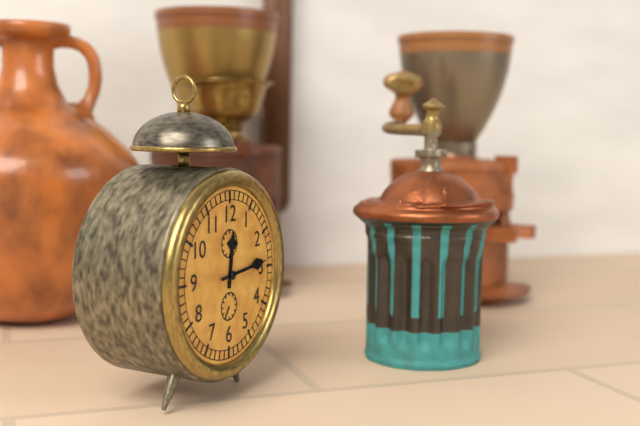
12.14
